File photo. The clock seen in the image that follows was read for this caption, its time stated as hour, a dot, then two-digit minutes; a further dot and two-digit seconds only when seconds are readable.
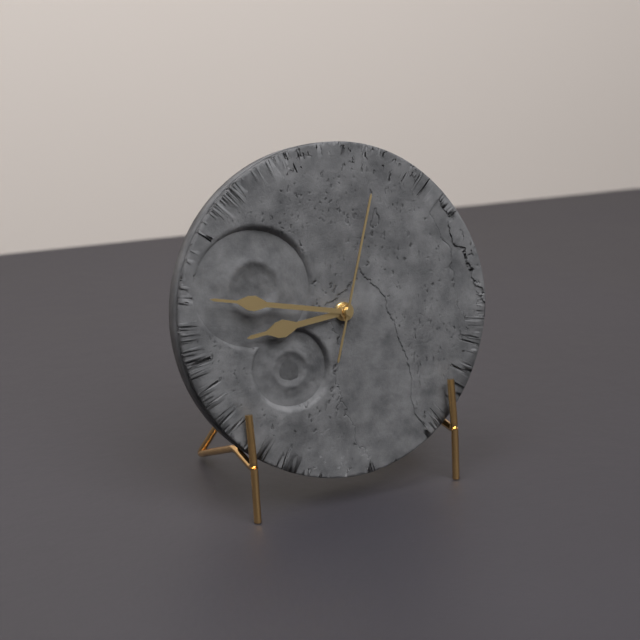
8.47.03
